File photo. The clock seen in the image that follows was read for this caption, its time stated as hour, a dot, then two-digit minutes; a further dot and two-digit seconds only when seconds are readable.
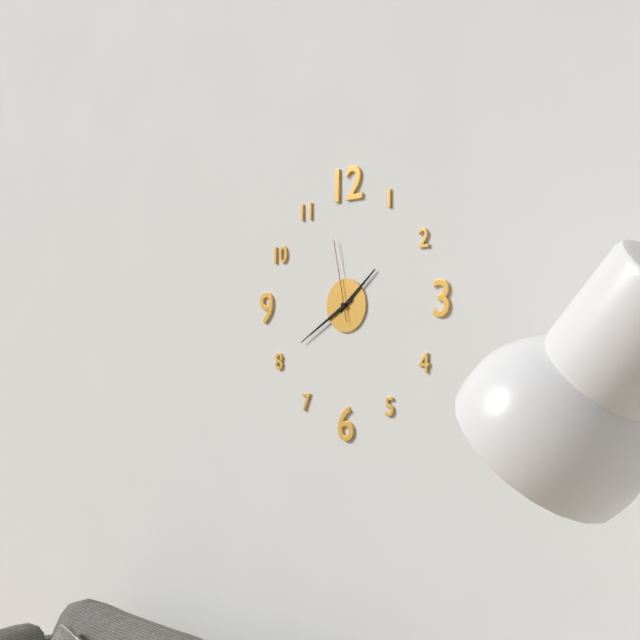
1.40.58
